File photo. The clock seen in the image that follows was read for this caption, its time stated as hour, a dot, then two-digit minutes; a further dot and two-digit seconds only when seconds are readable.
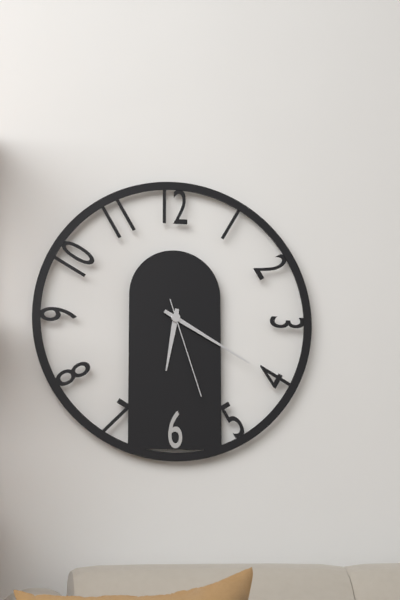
6.20.27
